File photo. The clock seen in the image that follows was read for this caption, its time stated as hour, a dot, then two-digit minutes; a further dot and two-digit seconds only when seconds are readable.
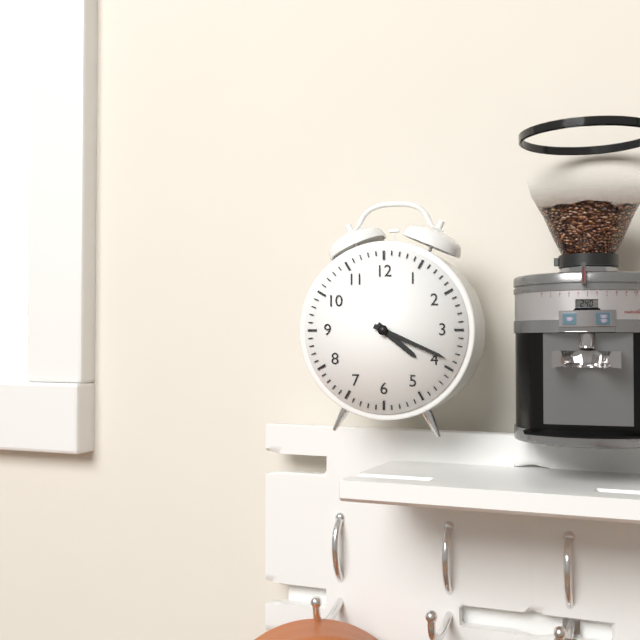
4.19
